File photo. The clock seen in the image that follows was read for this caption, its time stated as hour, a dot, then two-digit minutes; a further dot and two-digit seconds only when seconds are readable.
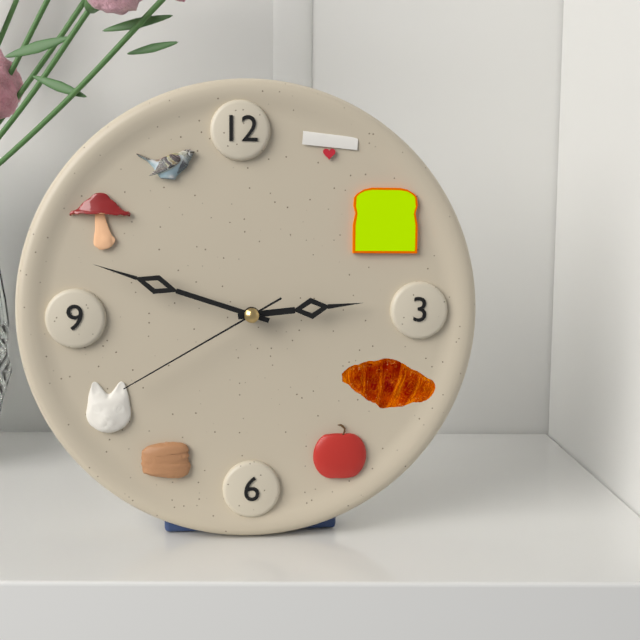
2.48.40
